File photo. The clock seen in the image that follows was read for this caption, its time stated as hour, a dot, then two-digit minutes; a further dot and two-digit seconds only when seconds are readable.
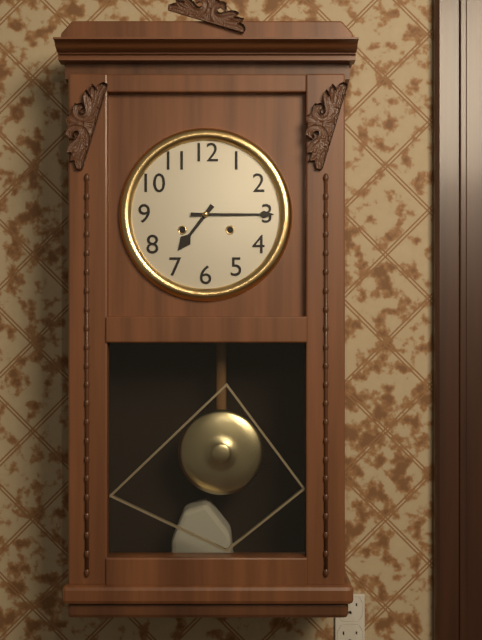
7.15
